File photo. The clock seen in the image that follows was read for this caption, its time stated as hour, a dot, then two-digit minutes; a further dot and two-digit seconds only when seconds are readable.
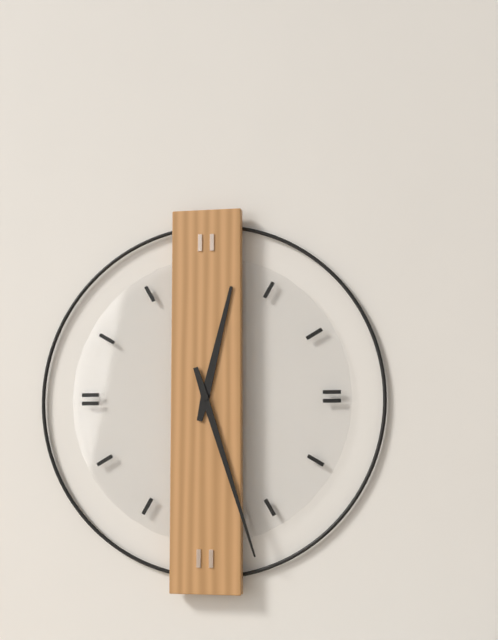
12.27
